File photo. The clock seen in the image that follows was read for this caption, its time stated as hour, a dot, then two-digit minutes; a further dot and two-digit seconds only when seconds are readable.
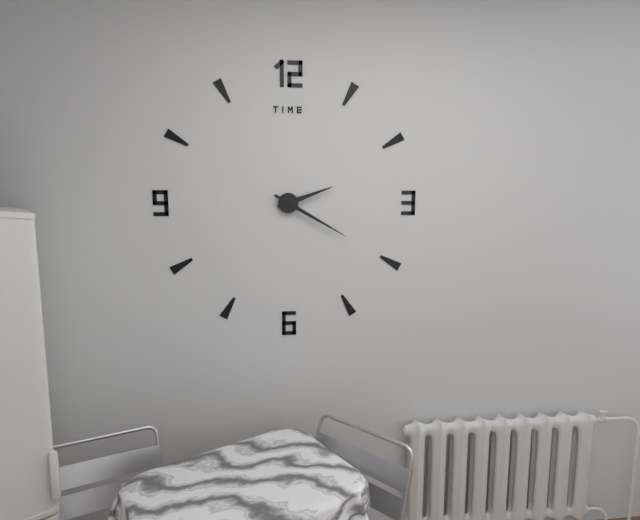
2.20
